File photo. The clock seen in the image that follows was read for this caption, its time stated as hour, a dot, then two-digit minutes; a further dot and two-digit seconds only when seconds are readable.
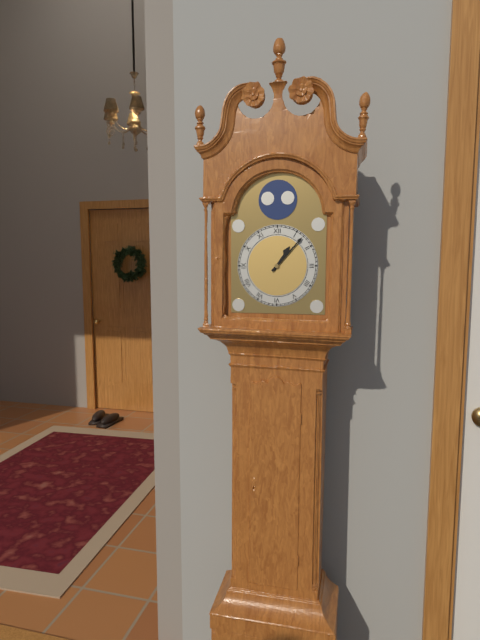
1.07
